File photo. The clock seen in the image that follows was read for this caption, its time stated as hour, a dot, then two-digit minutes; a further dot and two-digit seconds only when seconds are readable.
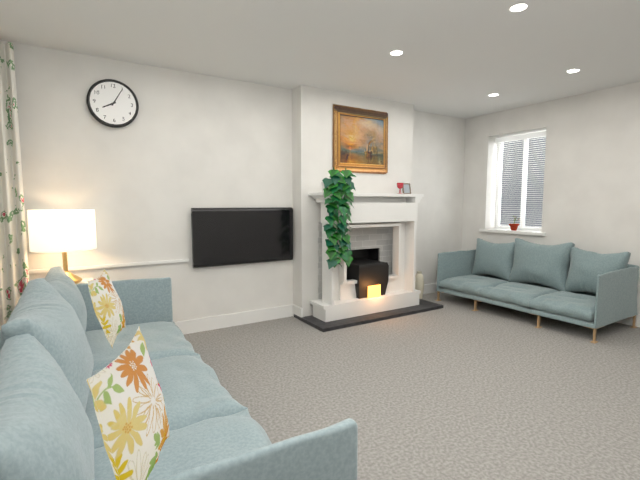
8.05
